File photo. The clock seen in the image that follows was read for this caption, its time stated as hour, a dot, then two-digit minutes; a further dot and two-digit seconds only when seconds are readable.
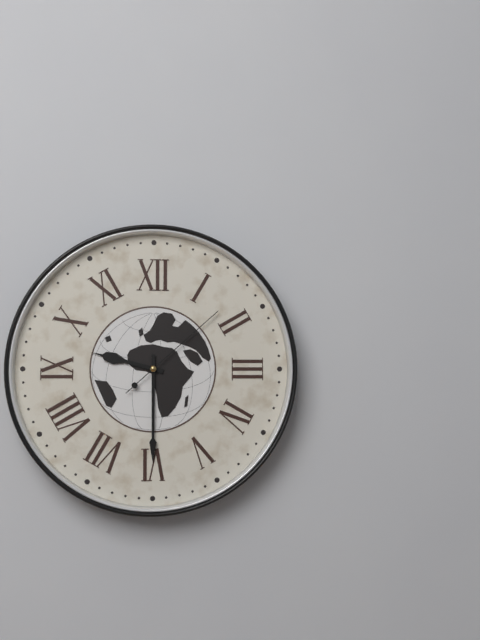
9.30.08
